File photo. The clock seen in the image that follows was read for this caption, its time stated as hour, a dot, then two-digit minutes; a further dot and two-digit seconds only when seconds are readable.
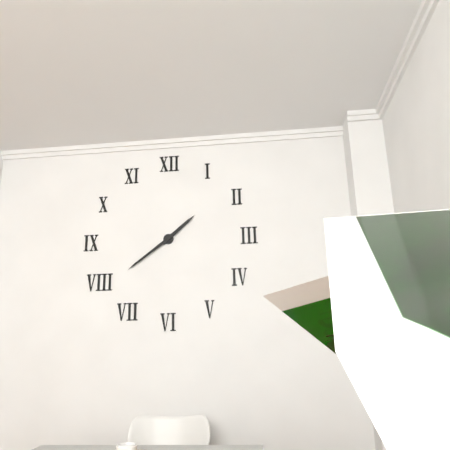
1.39
